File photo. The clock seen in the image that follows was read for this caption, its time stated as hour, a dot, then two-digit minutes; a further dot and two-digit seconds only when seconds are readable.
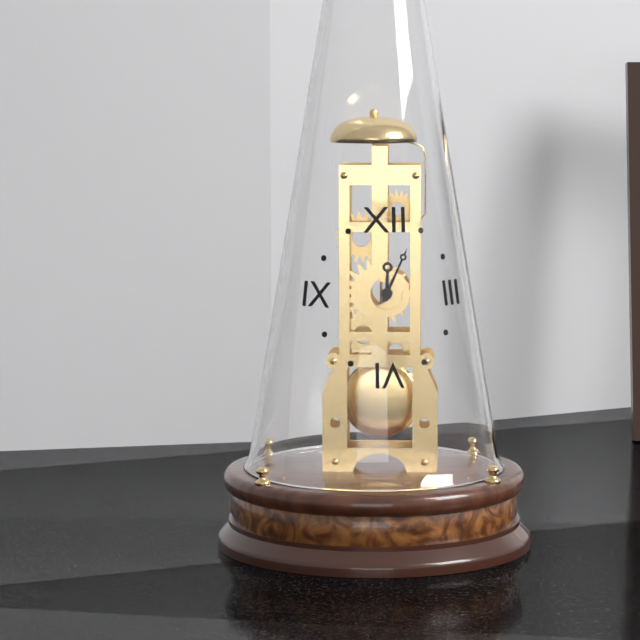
12.04
